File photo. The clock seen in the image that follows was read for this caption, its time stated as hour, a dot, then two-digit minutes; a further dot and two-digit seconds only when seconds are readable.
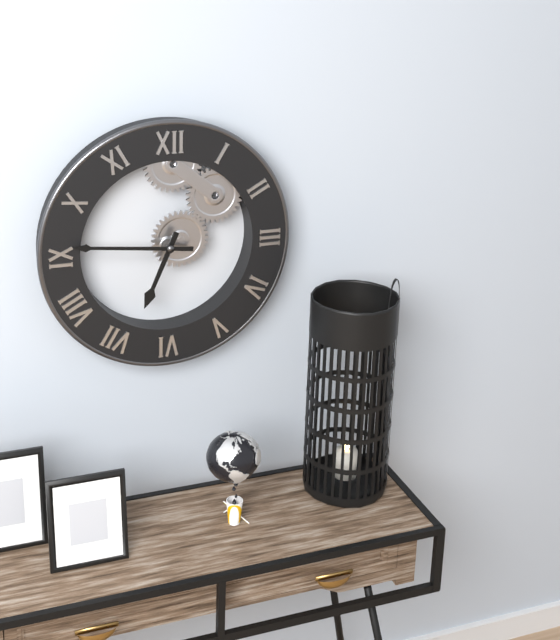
6.46
